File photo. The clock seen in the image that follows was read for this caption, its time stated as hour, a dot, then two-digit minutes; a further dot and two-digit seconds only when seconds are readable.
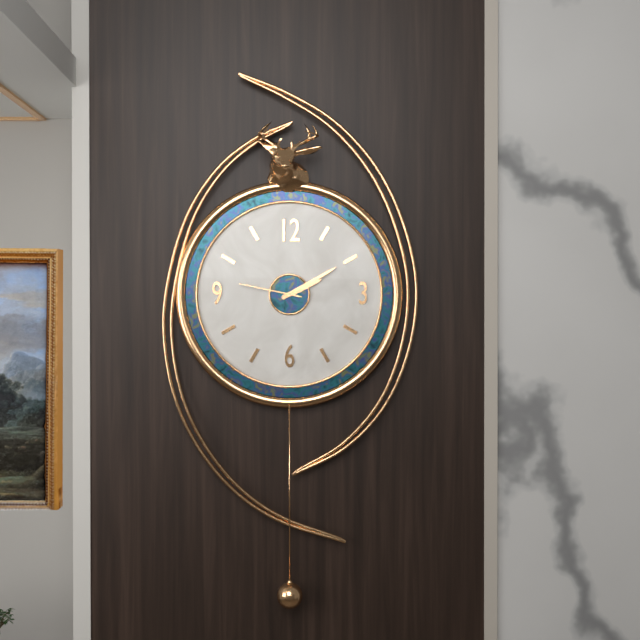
2.10.47
